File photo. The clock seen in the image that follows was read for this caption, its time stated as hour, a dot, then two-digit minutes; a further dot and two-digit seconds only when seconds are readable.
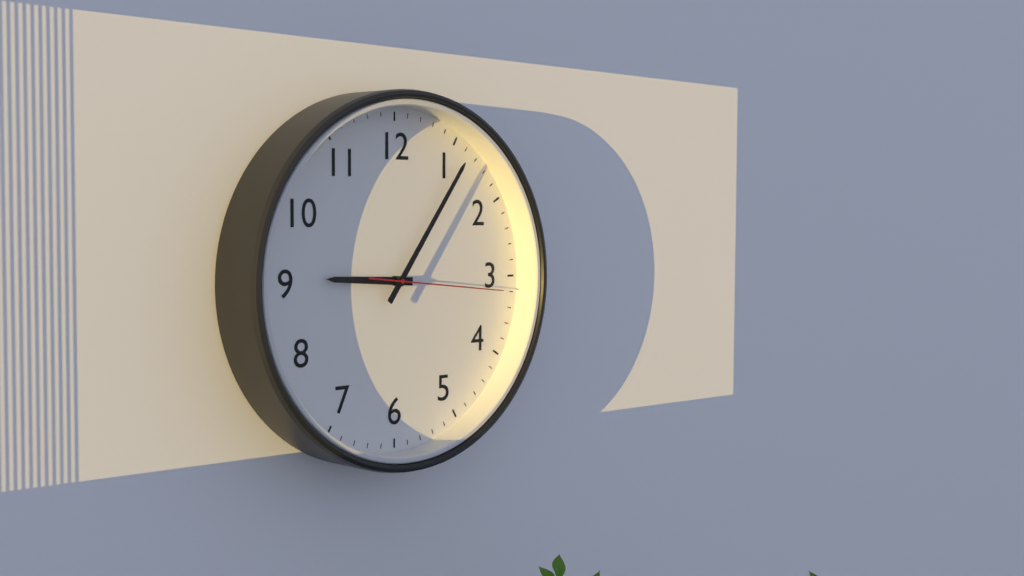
9.06.16
